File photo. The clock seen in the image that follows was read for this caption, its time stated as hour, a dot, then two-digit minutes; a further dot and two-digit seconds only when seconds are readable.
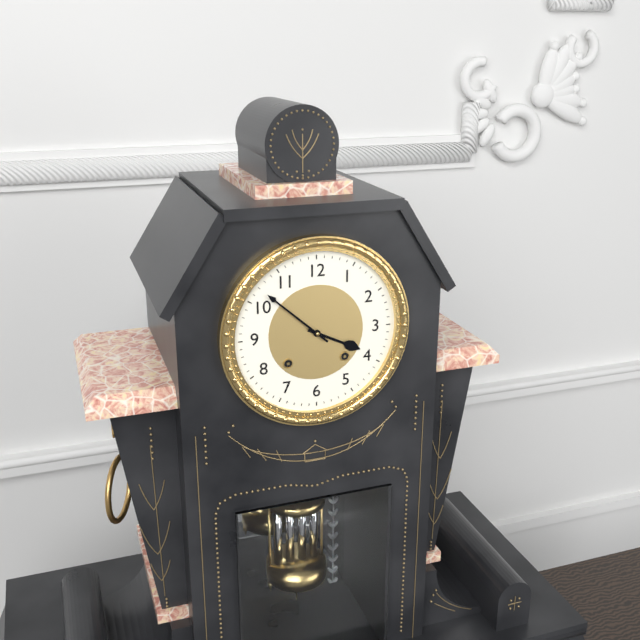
3.52
